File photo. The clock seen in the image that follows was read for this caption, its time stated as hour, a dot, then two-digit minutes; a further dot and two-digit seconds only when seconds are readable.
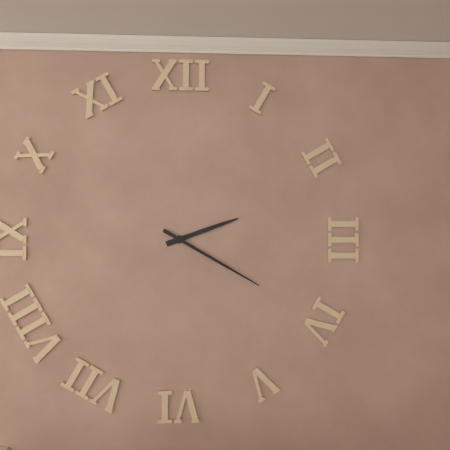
2.20
